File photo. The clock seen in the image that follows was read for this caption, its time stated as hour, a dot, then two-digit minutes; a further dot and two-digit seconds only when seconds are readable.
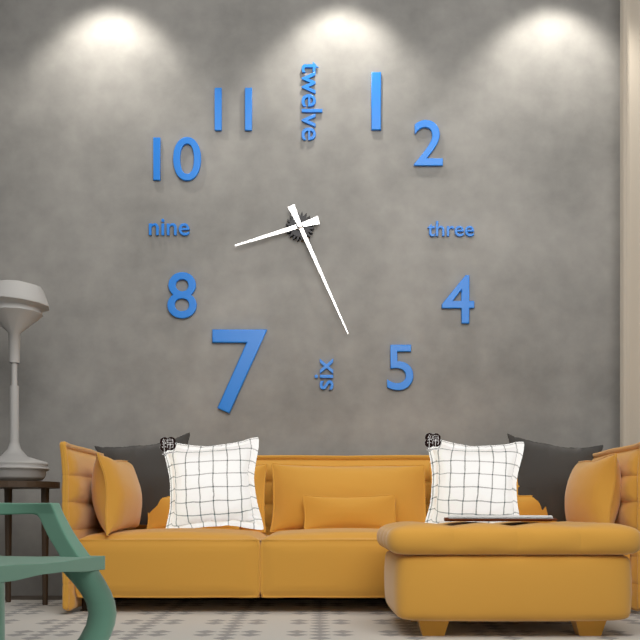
8.26
